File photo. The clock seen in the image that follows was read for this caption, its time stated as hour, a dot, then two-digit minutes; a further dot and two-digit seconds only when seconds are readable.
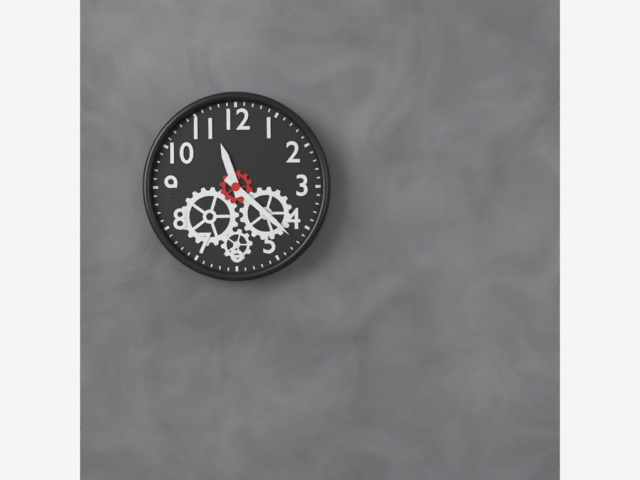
11.22
